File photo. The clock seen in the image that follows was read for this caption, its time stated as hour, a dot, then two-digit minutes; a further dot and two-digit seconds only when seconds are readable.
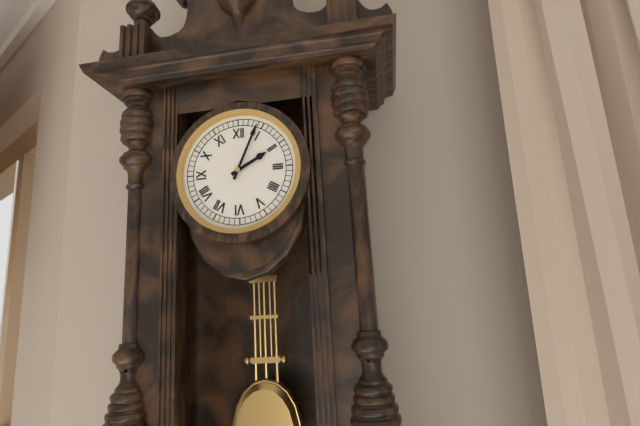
2.04
